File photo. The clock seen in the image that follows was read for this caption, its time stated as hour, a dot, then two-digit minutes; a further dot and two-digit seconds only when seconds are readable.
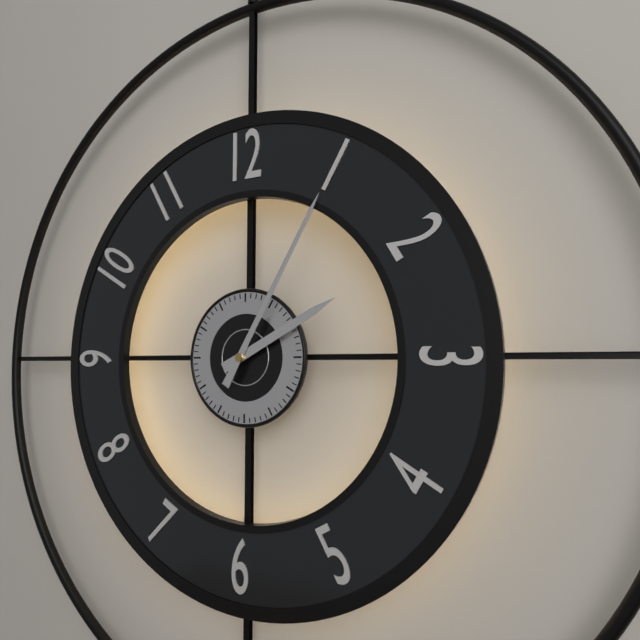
2.05
